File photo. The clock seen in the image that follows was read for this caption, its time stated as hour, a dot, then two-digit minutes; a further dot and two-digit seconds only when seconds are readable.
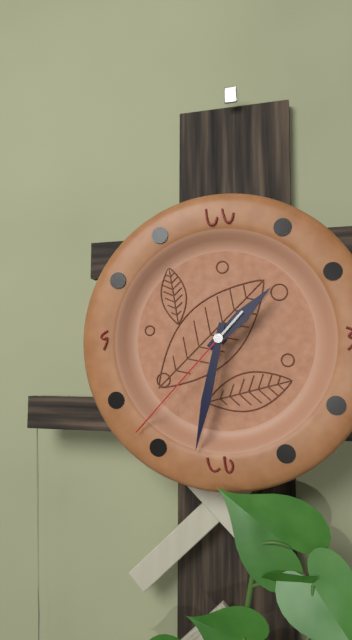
1.32.37
